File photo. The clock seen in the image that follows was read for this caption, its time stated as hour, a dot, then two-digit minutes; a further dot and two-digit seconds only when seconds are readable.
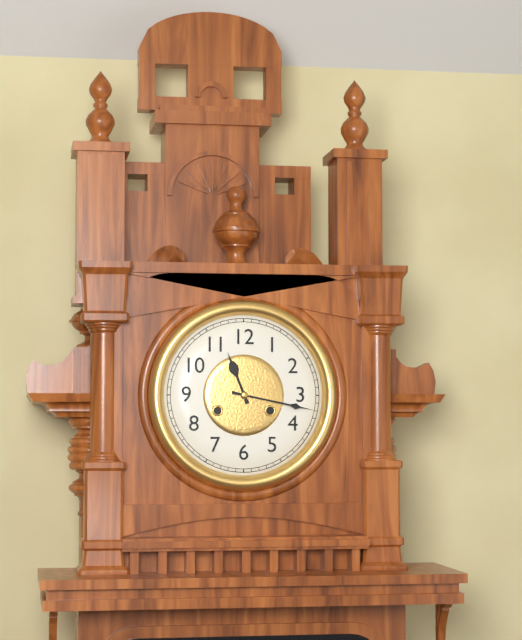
11.17
